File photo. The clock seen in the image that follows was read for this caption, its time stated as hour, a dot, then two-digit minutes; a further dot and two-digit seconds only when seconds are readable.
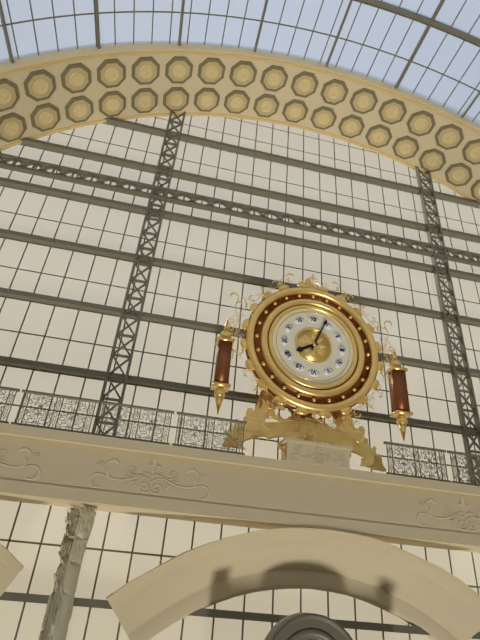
8.04
